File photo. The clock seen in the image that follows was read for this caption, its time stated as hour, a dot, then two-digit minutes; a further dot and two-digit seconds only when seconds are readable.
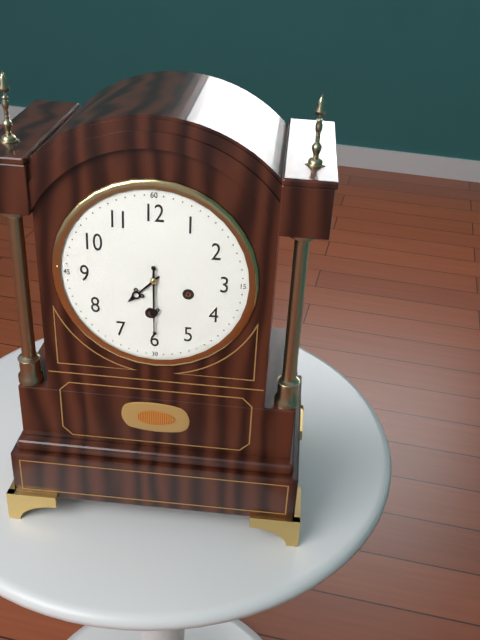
7.30
